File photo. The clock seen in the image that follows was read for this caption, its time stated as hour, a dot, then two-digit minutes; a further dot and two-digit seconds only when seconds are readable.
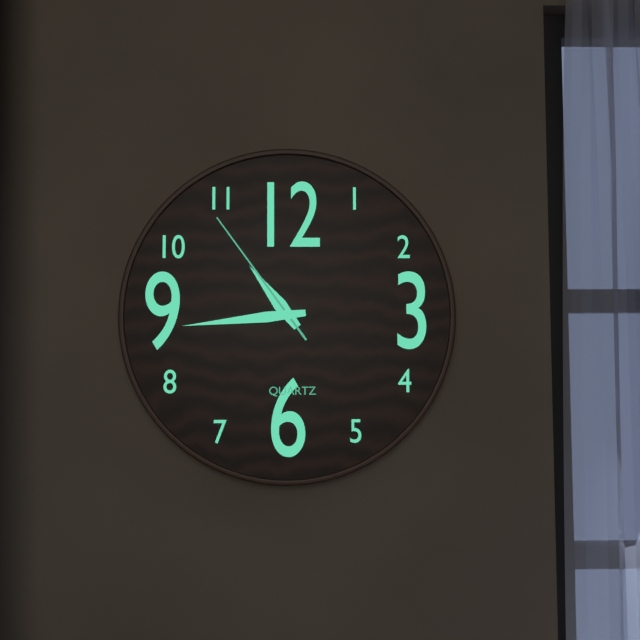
10.44.54
